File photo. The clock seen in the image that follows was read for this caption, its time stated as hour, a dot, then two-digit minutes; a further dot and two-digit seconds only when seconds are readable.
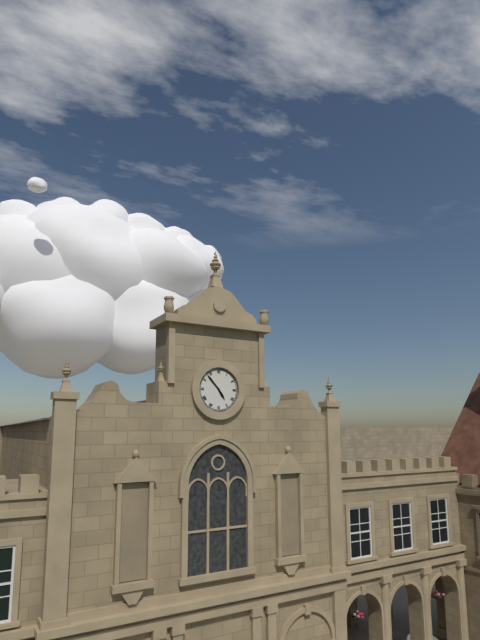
4.53
